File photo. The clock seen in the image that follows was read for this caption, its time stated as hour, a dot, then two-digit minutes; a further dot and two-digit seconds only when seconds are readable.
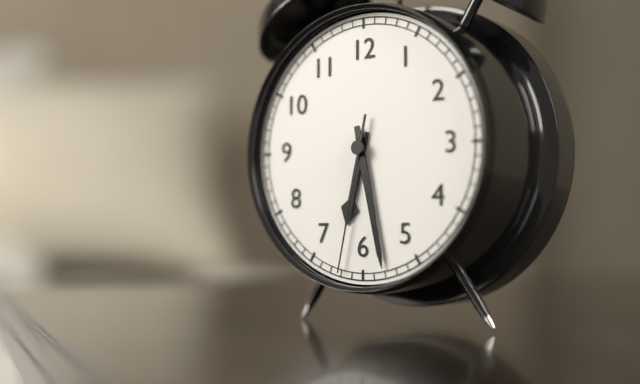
6.28.32
